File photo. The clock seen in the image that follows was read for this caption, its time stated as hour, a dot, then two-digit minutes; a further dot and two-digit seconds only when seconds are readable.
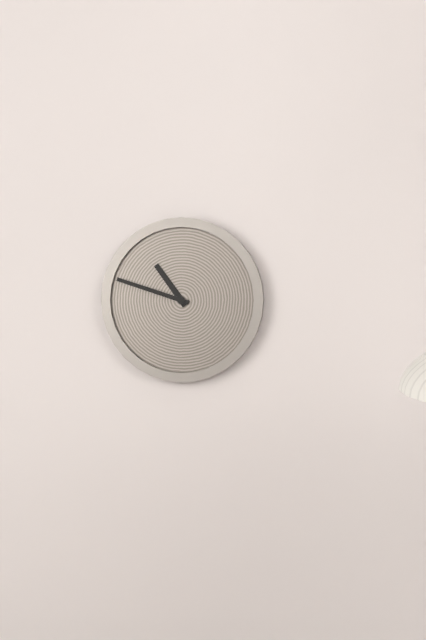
10.48
